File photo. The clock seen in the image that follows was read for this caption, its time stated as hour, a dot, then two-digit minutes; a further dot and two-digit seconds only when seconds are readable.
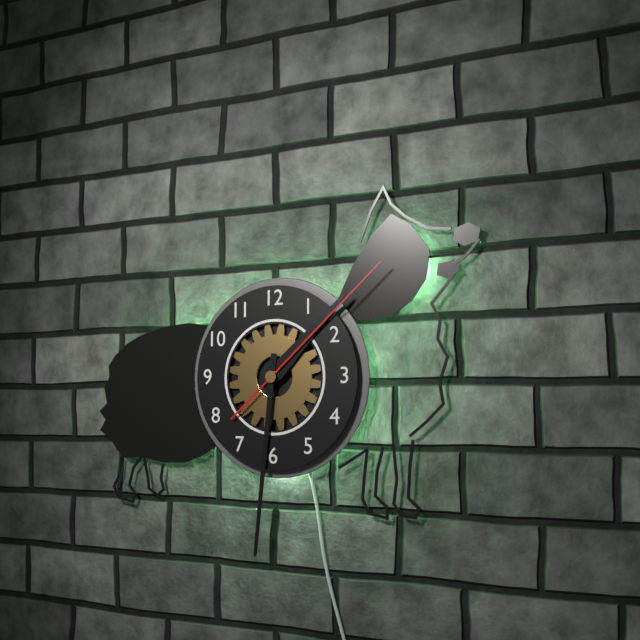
1.31.08
